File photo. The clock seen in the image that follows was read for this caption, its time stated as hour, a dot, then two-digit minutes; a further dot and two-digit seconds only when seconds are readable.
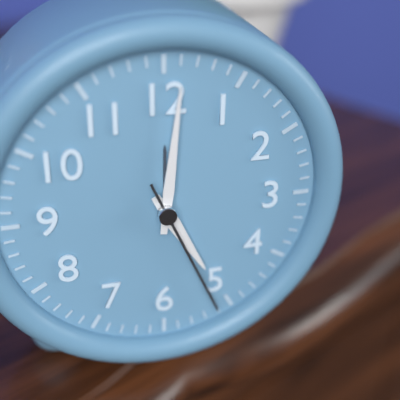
5.01.26
